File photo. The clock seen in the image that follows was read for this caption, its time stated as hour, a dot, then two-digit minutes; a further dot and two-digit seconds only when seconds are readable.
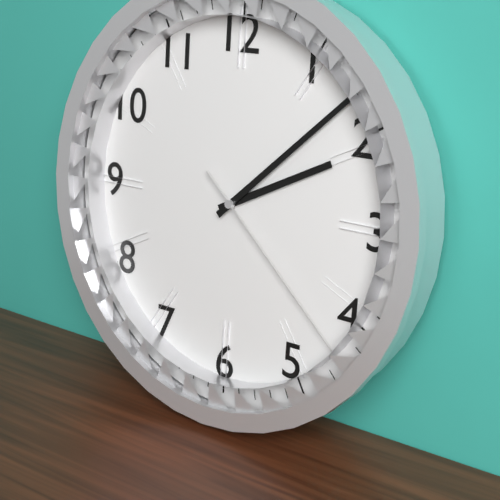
2.08.22
